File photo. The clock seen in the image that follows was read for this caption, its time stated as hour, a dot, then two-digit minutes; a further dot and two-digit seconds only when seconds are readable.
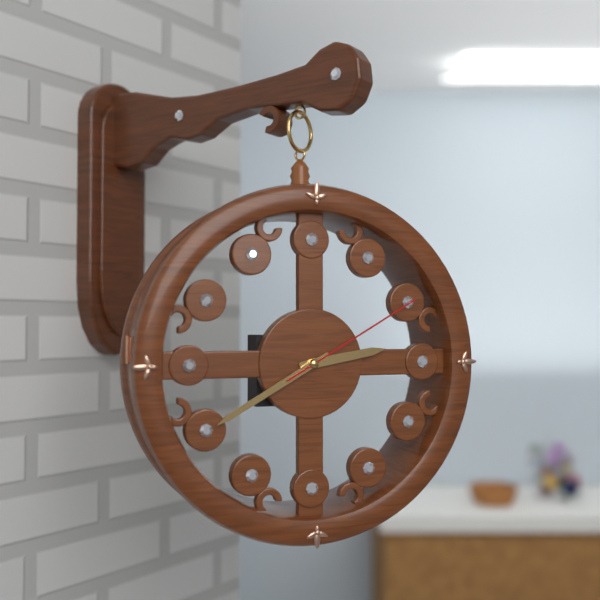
2.40.10
